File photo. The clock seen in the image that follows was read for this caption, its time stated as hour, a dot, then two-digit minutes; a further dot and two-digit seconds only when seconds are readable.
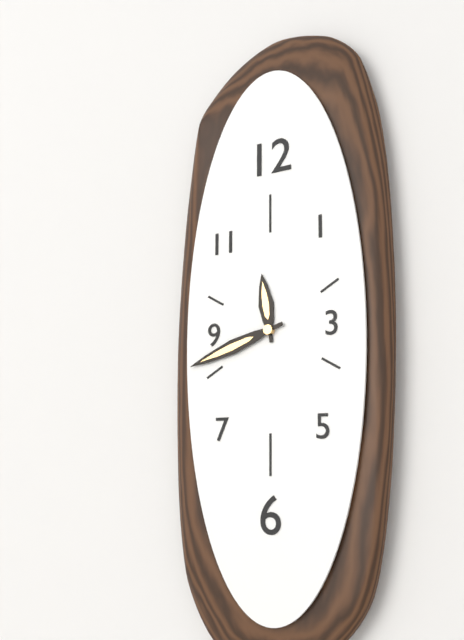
11.42
